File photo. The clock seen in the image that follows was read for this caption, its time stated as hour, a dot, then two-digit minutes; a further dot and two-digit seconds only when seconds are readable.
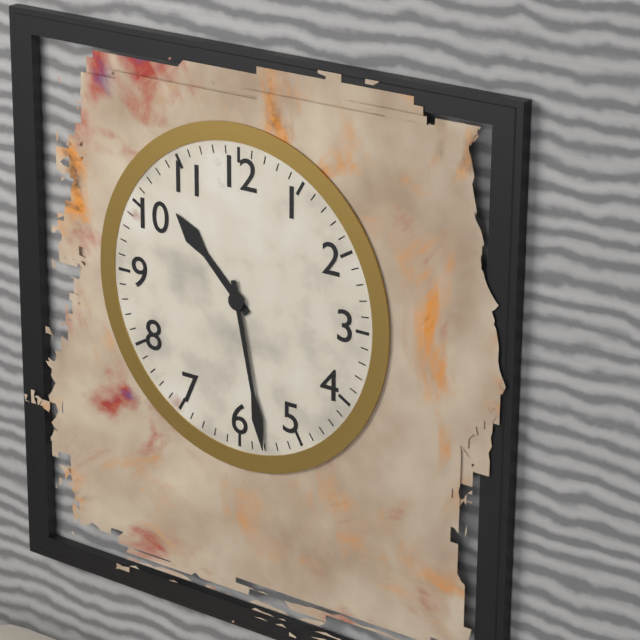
10.28
